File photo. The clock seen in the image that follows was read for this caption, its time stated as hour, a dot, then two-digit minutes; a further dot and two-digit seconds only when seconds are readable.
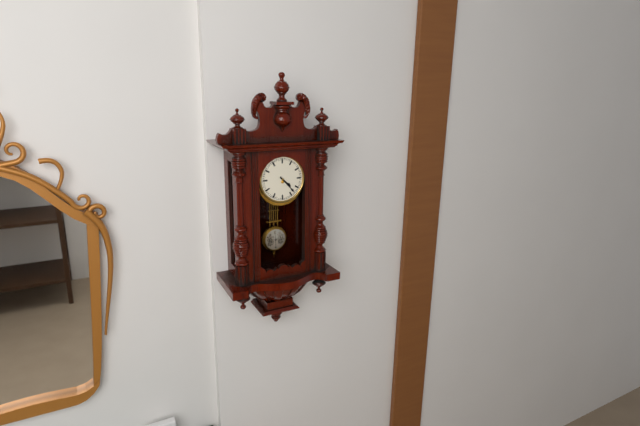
4.23
